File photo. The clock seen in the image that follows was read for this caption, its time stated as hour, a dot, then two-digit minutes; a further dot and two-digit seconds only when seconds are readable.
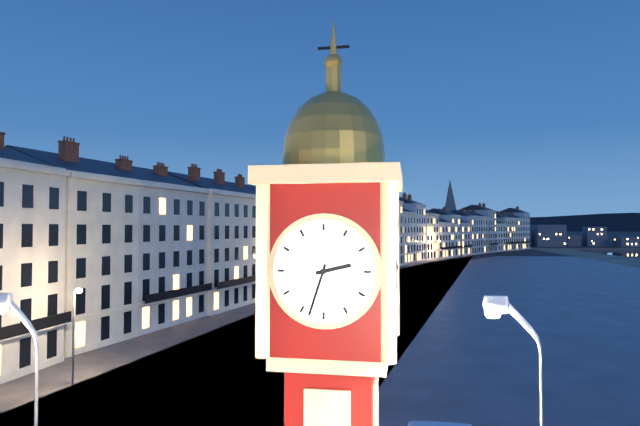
2.33
